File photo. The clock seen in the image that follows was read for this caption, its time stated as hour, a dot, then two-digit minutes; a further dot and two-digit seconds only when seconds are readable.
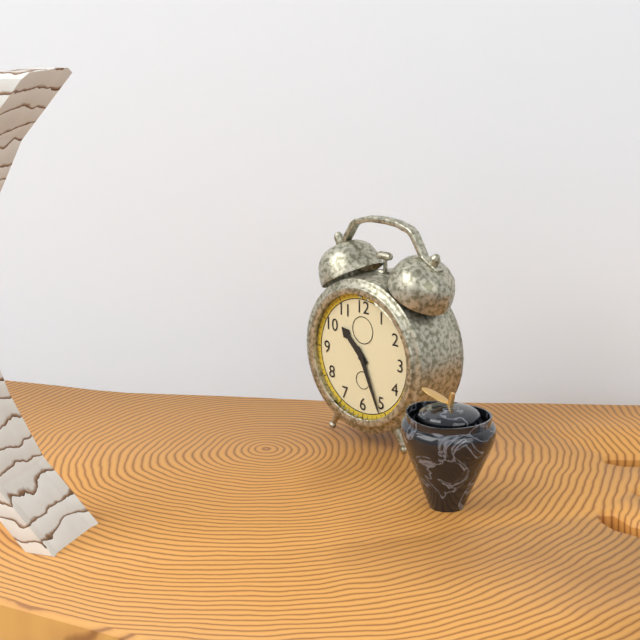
10.26
